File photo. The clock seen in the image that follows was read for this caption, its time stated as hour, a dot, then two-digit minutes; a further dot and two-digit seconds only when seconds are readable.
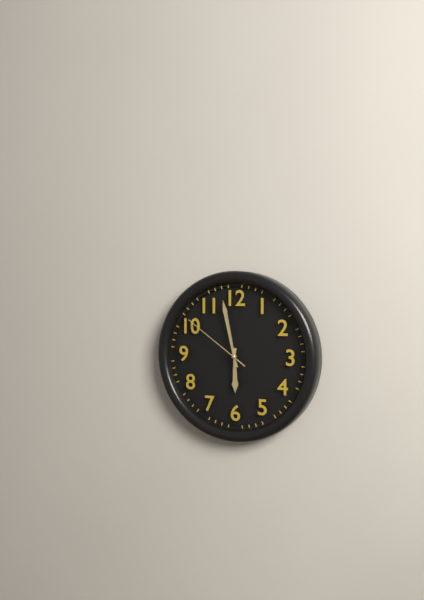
5.58.51
